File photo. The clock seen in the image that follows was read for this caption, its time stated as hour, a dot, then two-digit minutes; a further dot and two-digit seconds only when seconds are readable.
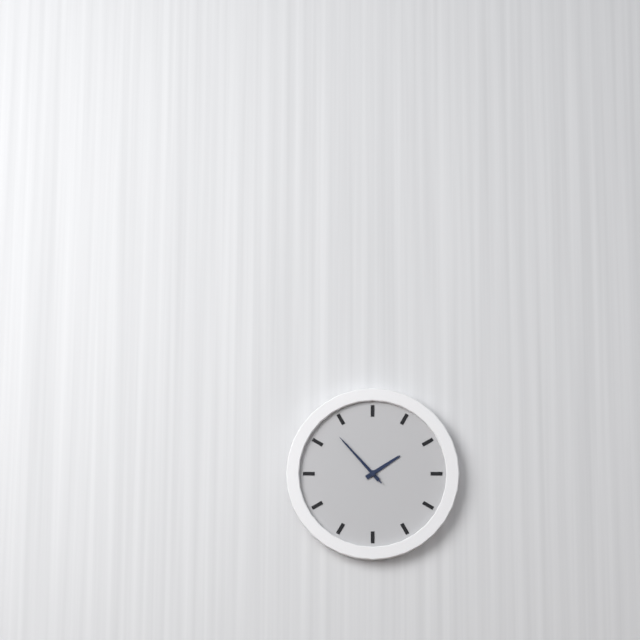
1.53.53
